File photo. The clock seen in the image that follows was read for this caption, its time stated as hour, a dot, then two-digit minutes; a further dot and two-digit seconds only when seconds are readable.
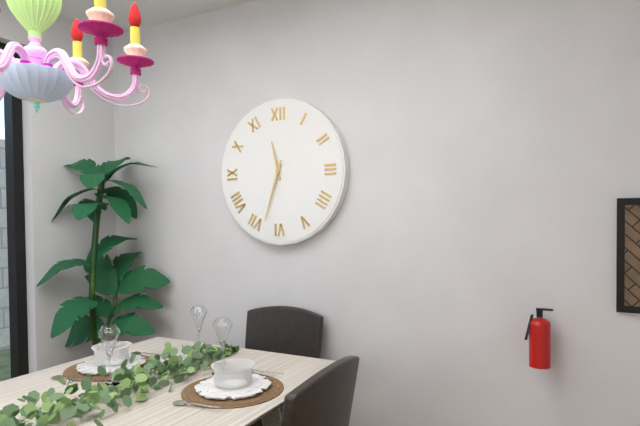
11.33
